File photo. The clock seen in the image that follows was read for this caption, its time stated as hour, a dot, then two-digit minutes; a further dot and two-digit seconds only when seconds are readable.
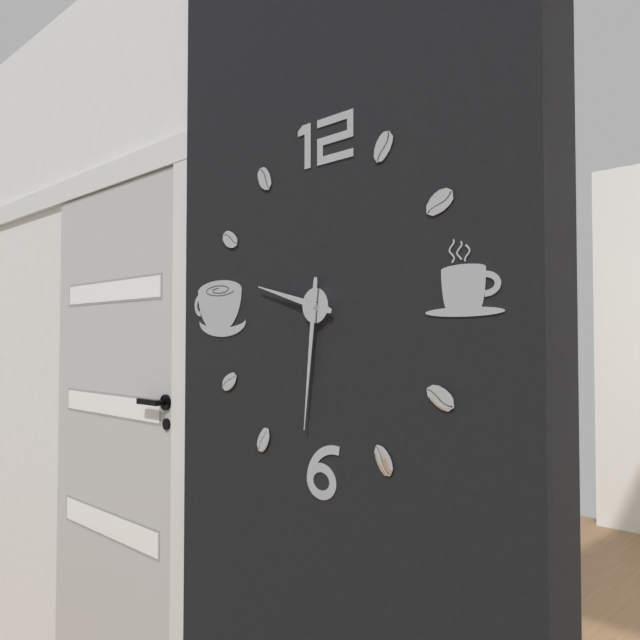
9.31
